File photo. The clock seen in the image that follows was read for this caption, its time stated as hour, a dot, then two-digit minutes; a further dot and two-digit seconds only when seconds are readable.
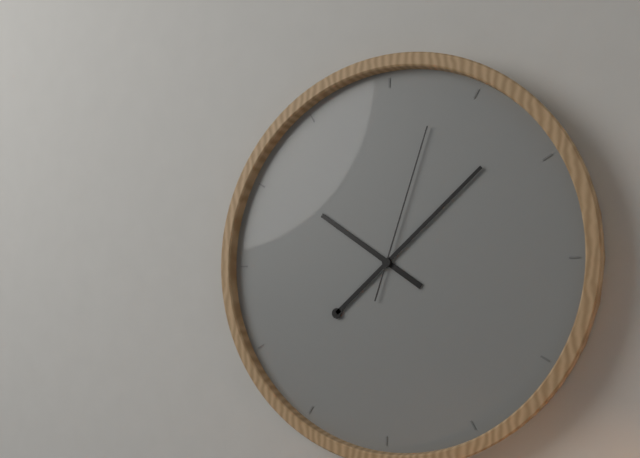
10.08.03
